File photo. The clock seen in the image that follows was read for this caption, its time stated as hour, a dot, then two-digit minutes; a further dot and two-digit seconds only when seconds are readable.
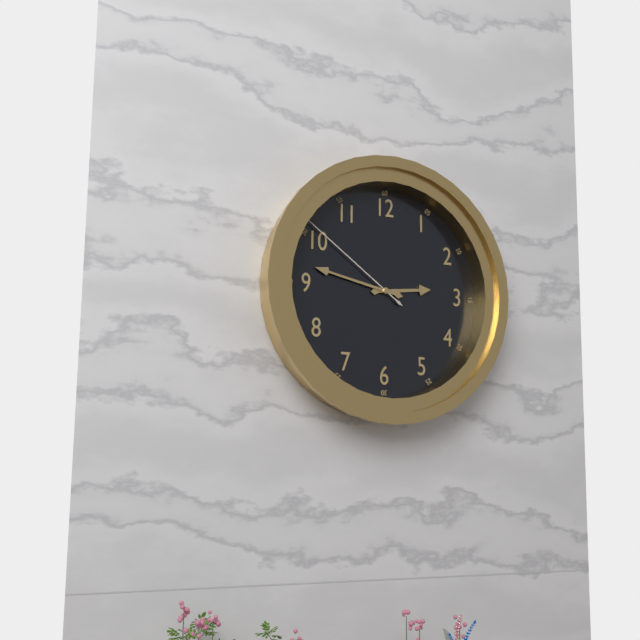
2.47.51
